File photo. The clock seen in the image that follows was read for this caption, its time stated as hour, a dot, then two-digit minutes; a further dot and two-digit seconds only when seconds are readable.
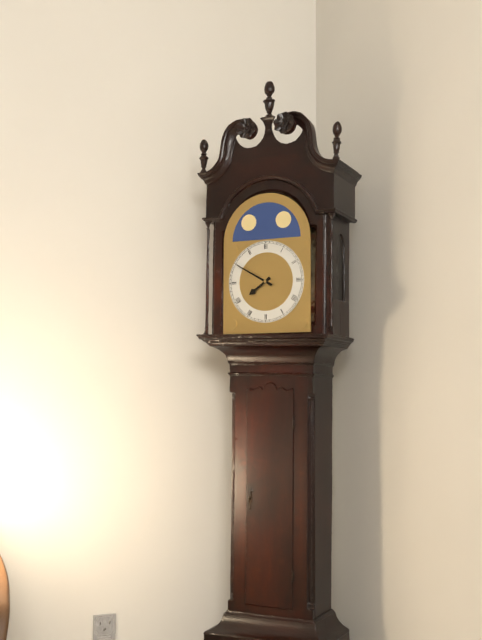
7.50
